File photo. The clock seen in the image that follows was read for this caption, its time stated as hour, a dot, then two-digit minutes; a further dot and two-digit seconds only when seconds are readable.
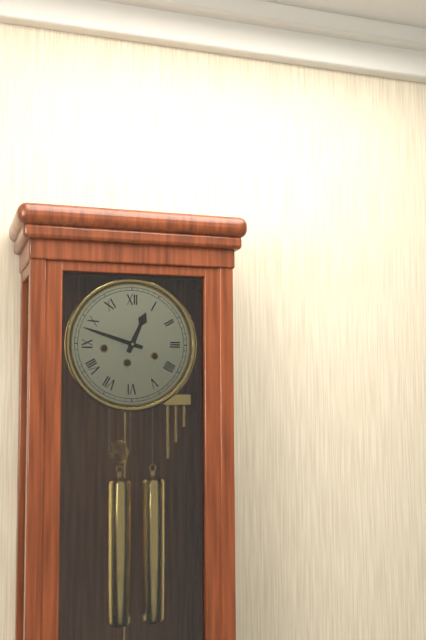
12.48
